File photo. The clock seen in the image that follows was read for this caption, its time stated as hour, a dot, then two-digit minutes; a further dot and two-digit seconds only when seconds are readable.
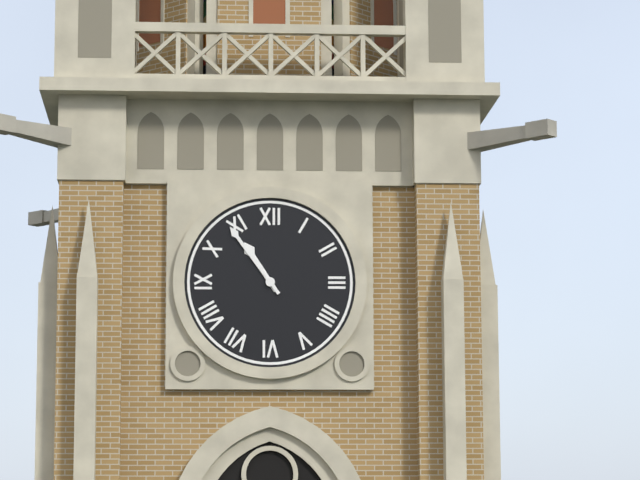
10.54
